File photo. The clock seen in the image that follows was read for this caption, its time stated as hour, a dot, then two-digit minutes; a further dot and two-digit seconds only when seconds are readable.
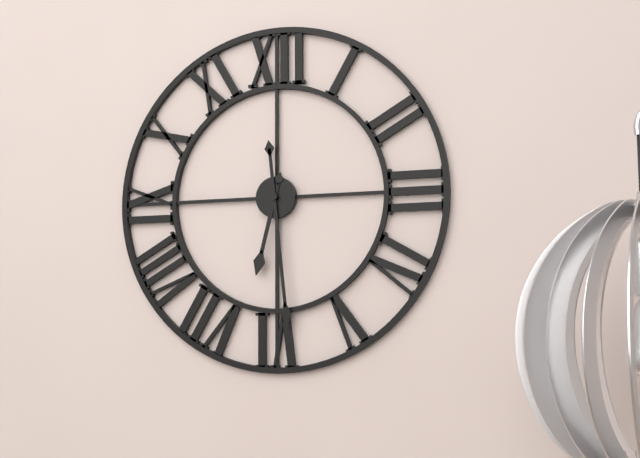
6.29
